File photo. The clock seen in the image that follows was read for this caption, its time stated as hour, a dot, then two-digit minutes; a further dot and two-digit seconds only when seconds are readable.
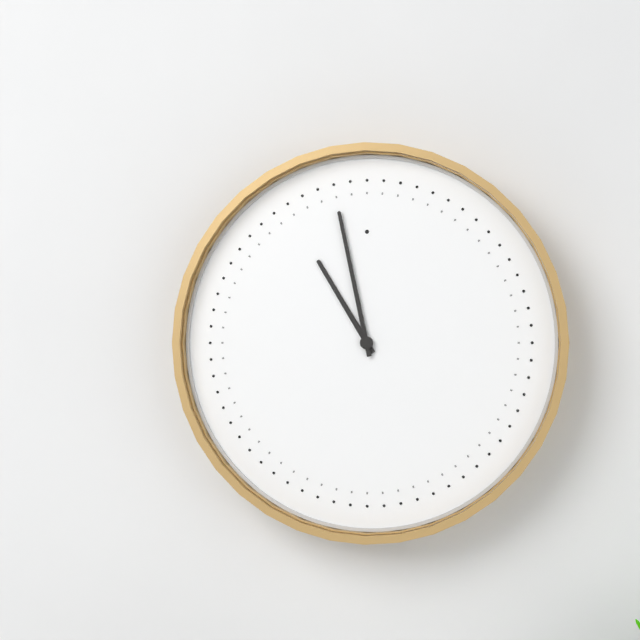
10.58
